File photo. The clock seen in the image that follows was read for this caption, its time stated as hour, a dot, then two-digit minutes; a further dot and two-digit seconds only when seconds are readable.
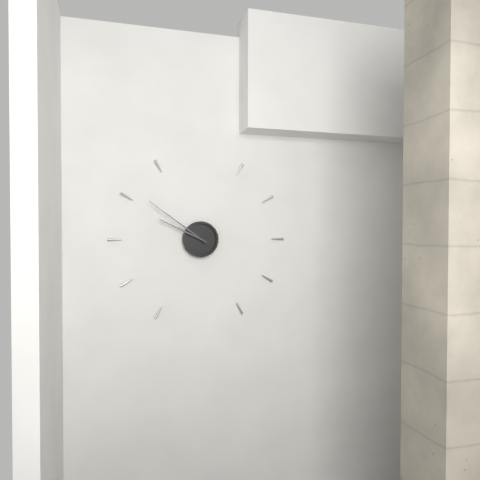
9.51
